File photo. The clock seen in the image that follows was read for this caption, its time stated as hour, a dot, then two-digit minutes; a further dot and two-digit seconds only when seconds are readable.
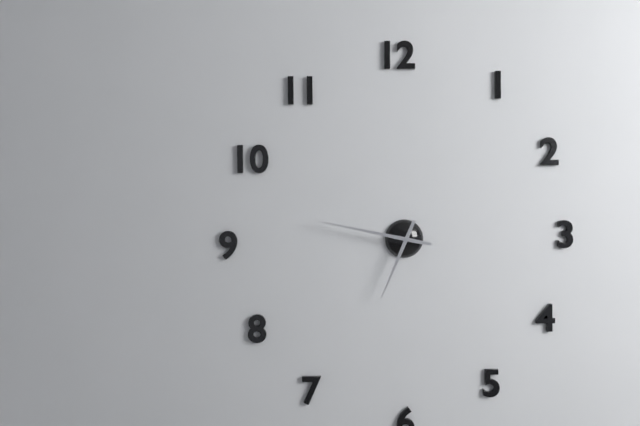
6.47
